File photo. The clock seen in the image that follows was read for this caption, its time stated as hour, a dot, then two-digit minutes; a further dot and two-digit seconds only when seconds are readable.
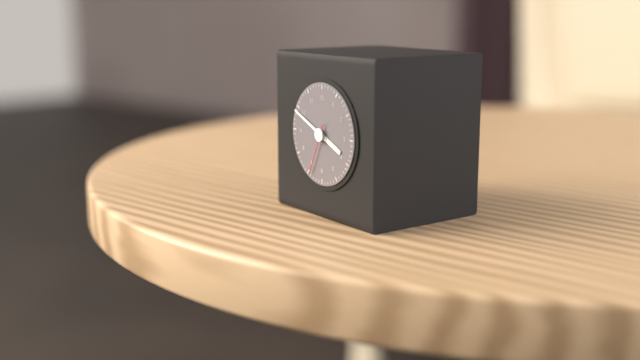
3.49.34
